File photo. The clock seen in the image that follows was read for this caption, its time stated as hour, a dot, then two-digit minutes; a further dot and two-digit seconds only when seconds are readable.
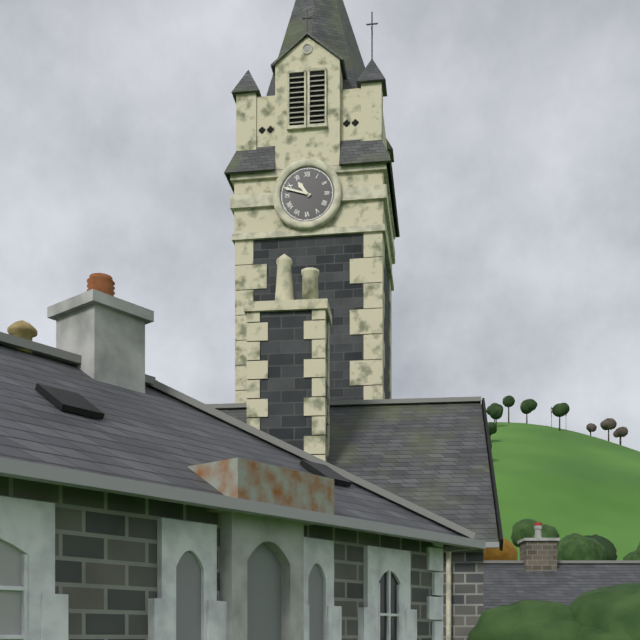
10.48
